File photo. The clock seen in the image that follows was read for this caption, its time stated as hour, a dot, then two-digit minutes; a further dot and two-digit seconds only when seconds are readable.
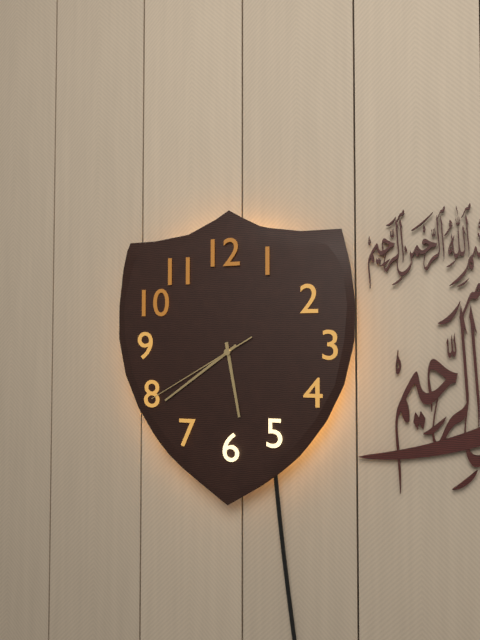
5.39.40
